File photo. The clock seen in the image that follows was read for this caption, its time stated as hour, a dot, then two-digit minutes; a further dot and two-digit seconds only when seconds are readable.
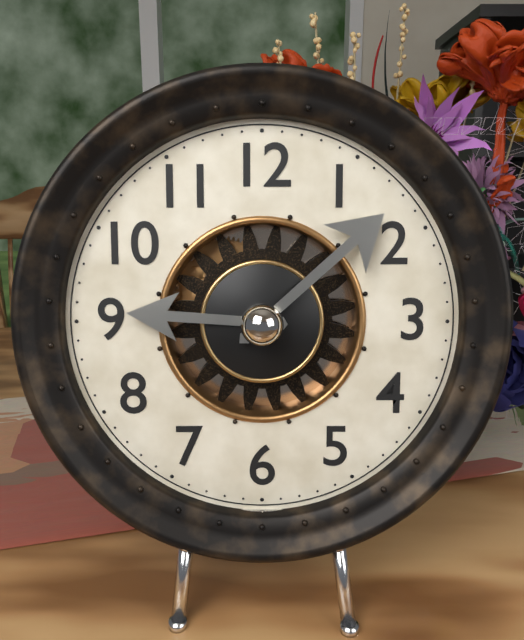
9.08
